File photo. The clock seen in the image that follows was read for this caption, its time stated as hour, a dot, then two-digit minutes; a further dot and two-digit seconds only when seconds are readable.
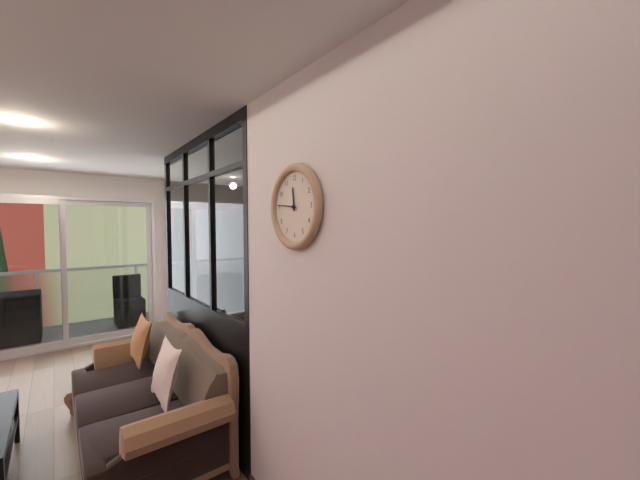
11.46
